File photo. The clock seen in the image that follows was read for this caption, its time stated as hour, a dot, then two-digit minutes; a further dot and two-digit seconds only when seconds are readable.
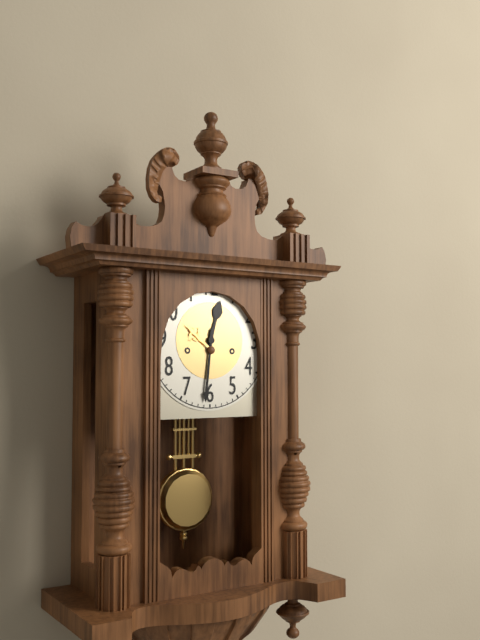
12.31
